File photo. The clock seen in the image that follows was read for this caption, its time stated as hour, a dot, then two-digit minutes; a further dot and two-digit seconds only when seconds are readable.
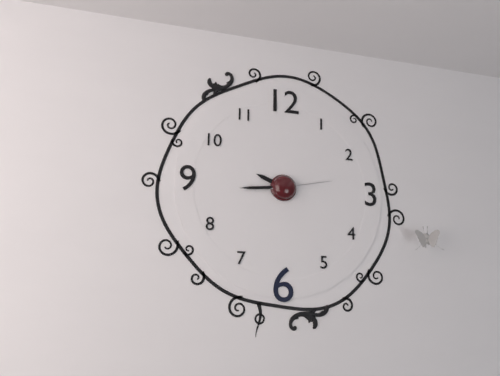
9.44.13
